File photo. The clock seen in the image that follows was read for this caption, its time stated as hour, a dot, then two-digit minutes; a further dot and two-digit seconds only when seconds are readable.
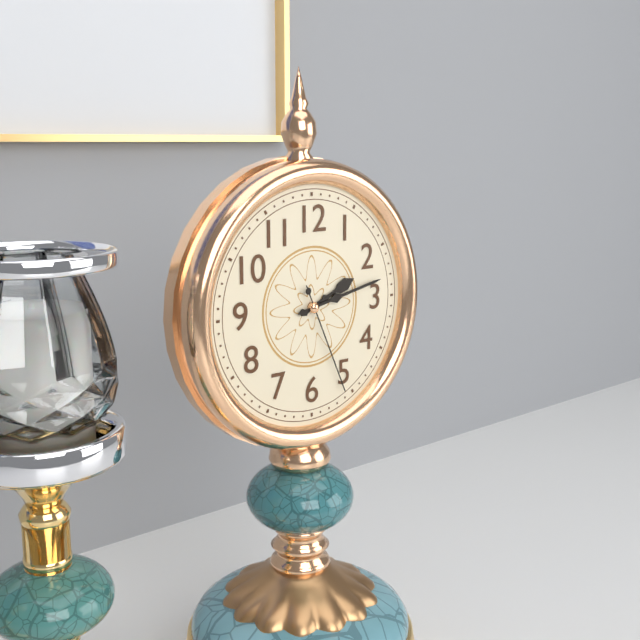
2.13.26
